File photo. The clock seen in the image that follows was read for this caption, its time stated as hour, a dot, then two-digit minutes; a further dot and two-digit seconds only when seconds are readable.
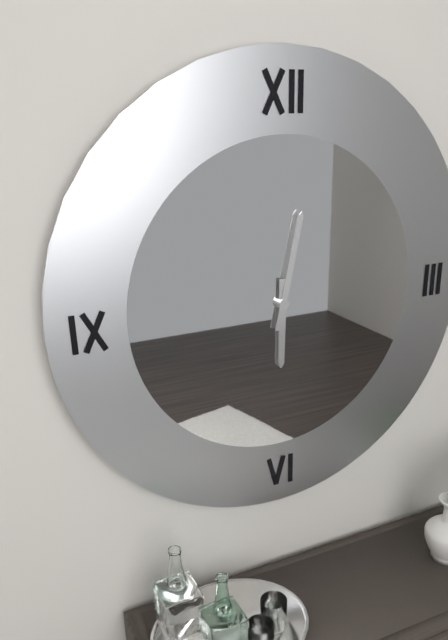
6.02
